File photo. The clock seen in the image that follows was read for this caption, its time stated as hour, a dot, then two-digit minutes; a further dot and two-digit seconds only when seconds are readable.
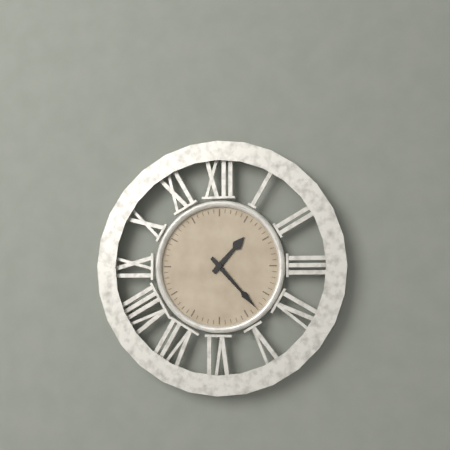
1.23
